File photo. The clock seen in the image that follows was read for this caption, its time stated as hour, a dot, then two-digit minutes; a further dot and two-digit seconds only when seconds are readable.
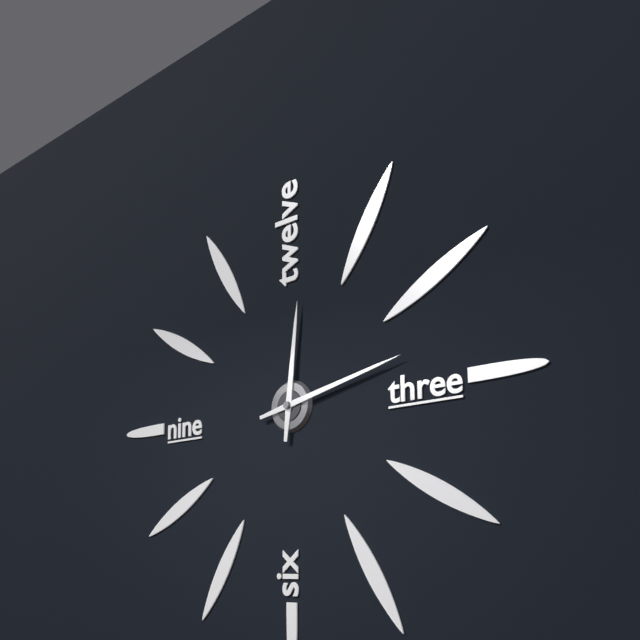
12.13
